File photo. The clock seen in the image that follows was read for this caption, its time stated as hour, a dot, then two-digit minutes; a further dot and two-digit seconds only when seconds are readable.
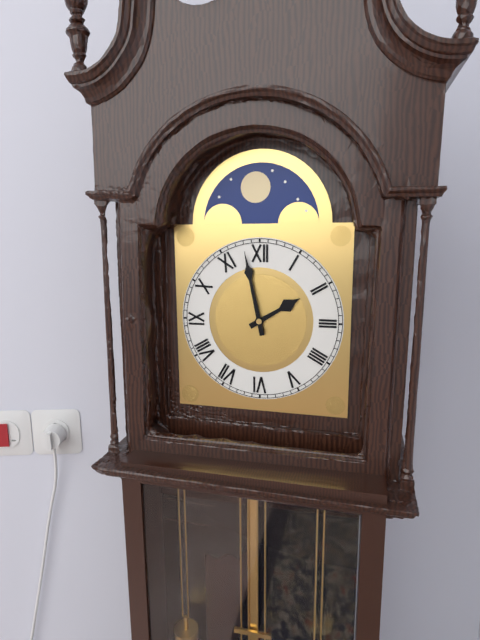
1.58
